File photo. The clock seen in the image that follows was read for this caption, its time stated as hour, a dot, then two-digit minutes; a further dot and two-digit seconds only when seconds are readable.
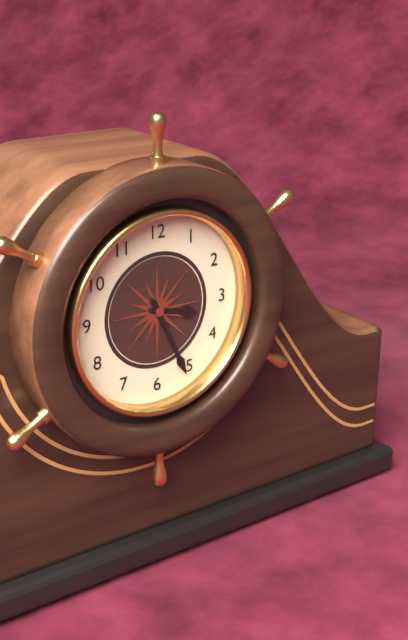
3.26
